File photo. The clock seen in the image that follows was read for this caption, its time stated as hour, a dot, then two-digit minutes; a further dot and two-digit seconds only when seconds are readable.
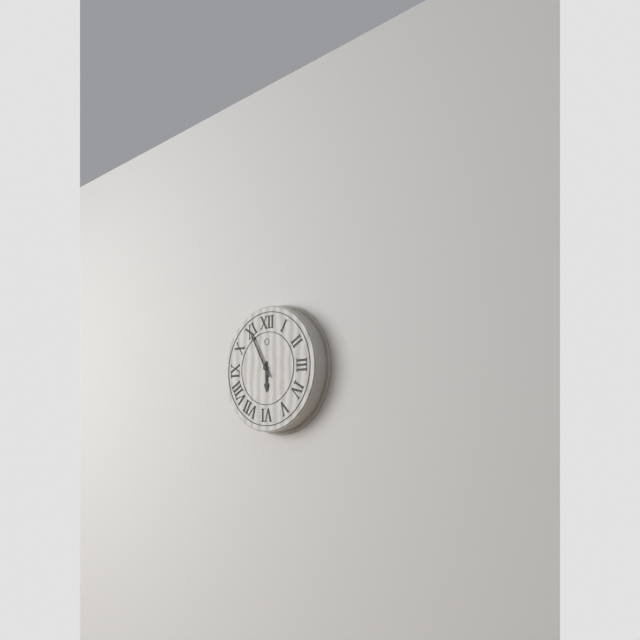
5.55
